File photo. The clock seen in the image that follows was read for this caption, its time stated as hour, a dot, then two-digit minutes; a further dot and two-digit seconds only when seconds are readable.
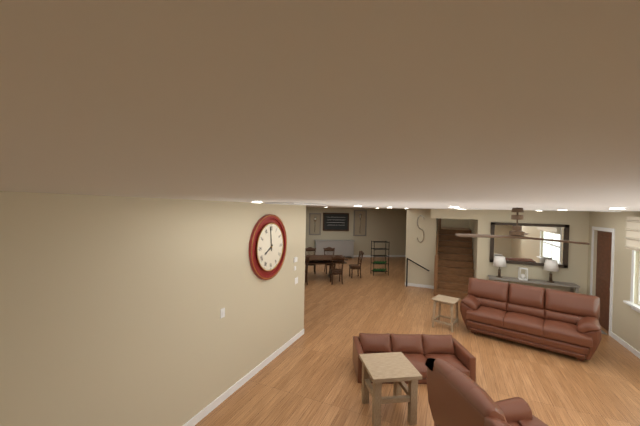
7.59
